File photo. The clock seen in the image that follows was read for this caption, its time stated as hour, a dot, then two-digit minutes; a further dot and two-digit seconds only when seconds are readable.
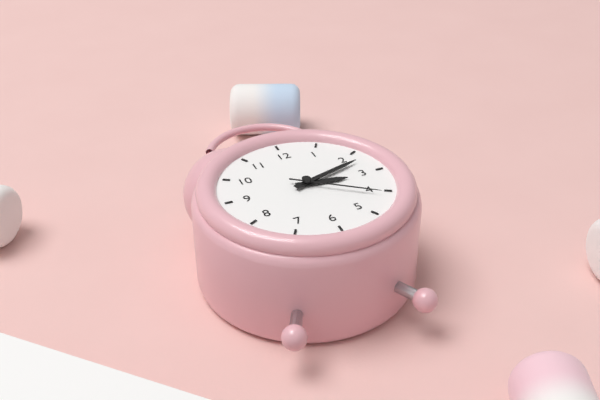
3.12.21
